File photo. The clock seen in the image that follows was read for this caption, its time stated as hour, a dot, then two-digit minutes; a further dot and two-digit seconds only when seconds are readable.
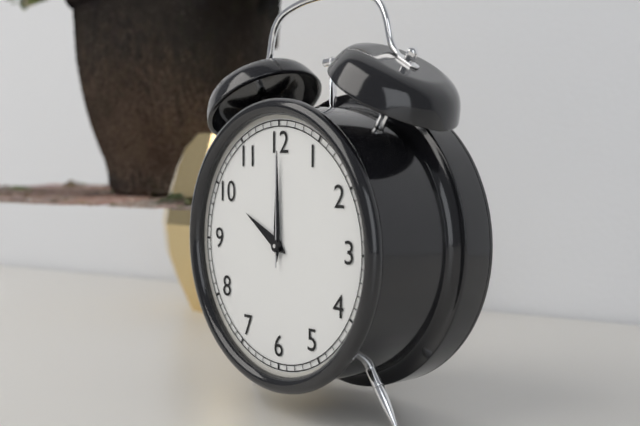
10.00.00
